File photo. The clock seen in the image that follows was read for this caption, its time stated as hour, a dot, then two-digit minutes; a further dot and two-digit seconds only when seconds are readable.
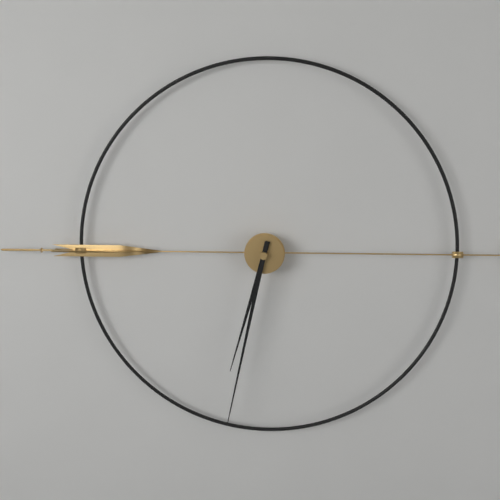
6.32
